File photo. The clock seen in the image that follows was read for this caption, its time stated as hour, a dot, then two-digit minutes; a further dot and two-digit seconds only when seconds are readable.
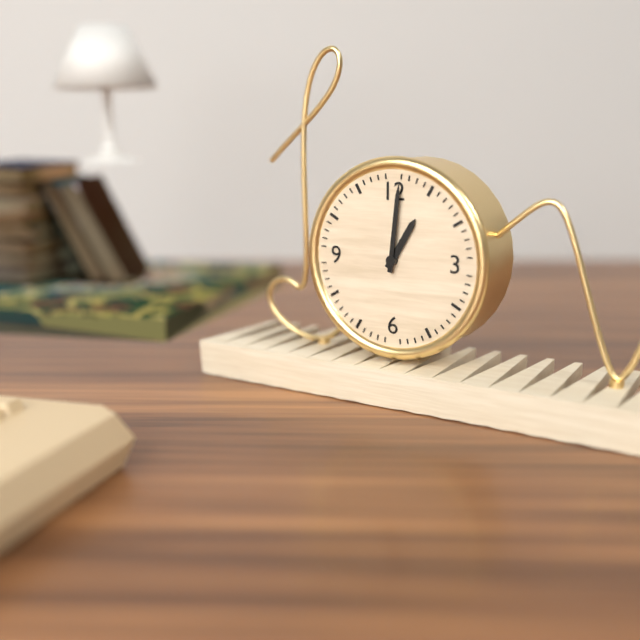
1.01
